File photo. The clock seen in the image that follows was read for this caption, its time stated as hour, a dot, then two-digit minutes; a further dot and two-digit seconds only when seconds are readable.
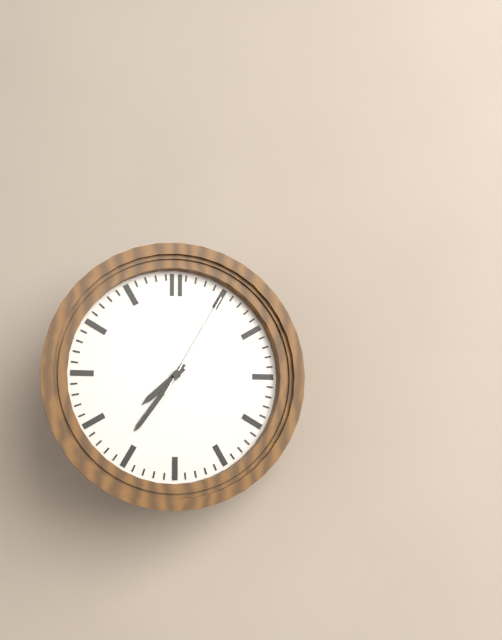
7.36.05
